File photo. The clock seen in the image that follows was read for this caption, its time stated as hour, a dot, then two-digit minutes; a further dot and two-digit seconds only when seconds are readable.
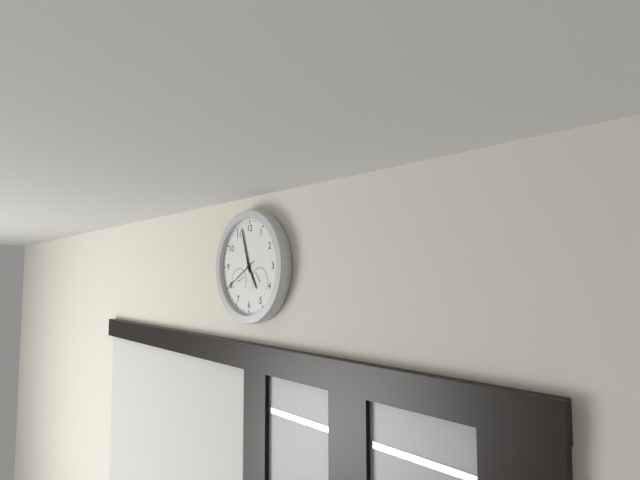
4.57
